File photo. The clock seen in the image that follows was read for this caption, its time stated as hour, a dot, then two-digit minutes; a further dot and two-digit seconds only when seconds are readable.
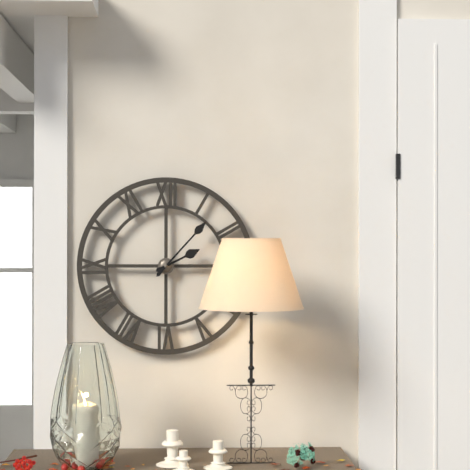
2.07
